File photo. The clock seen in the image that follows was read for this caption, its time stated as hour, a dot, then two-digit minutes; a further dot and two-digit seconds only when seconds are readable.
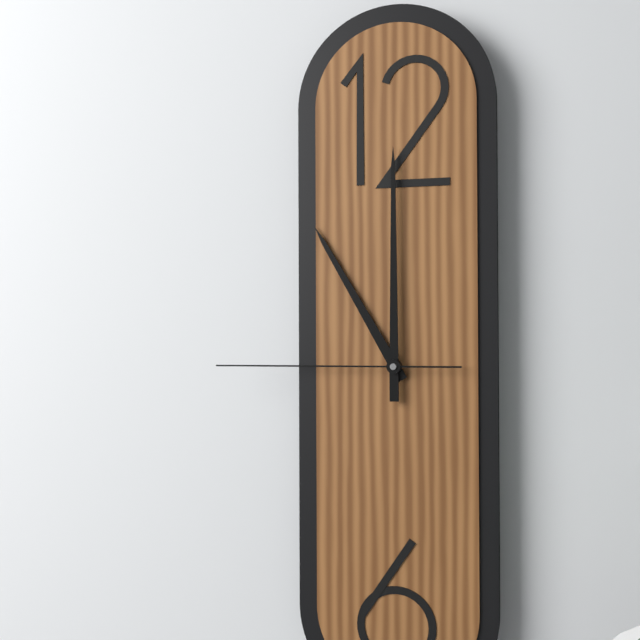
11.00.45
